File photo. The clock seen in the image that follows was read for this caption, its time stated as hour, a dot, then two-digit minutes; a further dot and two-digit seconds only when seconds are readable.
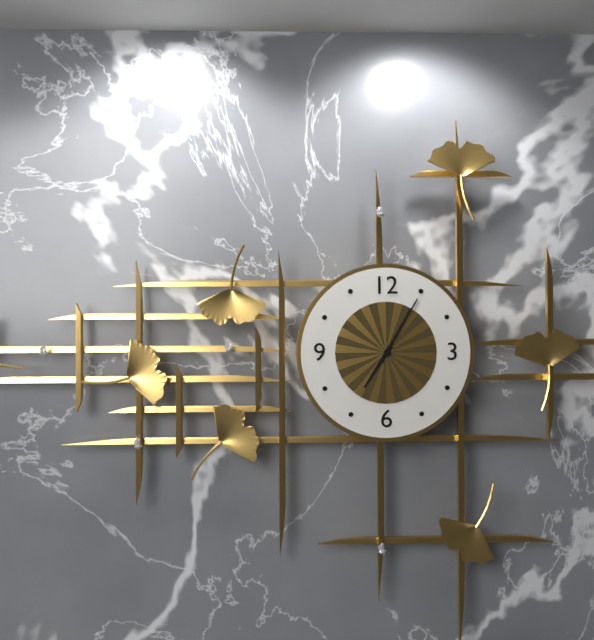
7.05
